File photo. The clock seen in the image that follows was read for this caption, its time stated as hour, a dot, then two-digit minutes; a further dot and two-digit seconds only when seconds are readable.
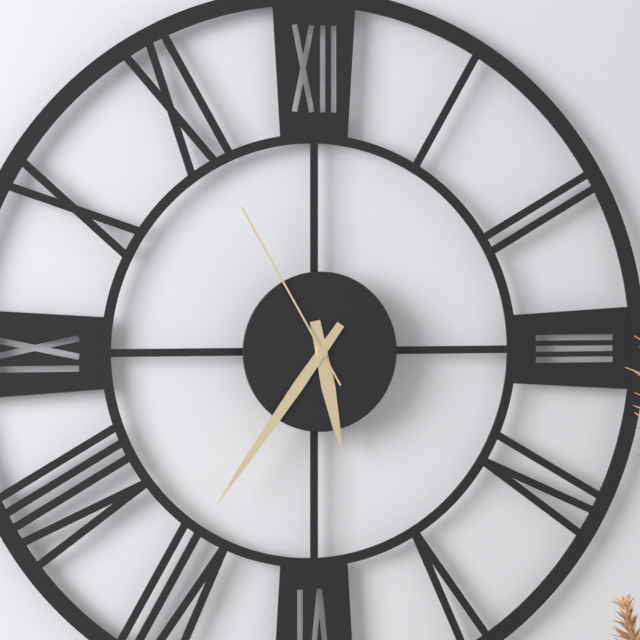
5.36.55
